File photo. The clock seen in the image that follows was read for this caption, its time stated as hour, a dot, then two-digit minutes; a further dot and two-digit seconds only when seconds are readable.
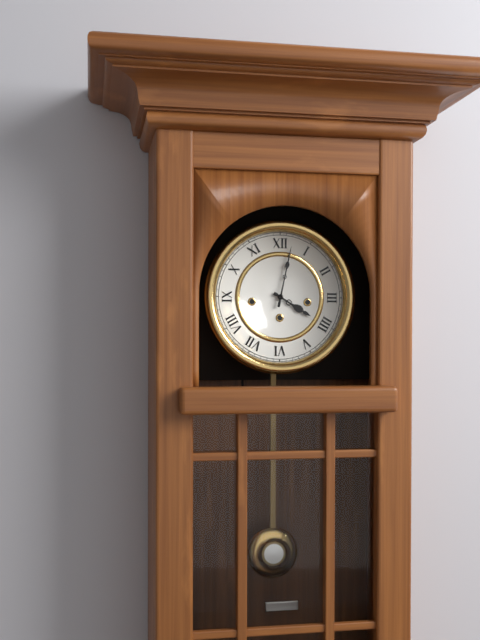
4.02
